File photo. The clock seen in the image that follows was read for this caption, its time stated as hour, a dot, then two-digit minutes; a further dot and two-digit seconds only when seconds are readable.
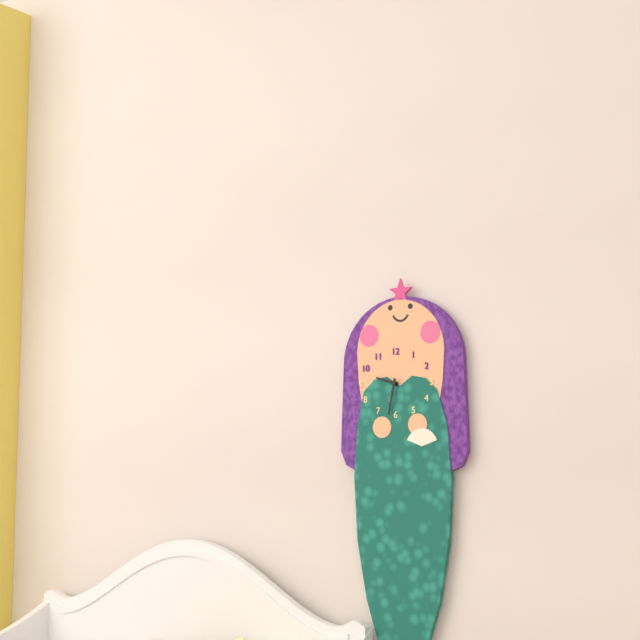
9.32
